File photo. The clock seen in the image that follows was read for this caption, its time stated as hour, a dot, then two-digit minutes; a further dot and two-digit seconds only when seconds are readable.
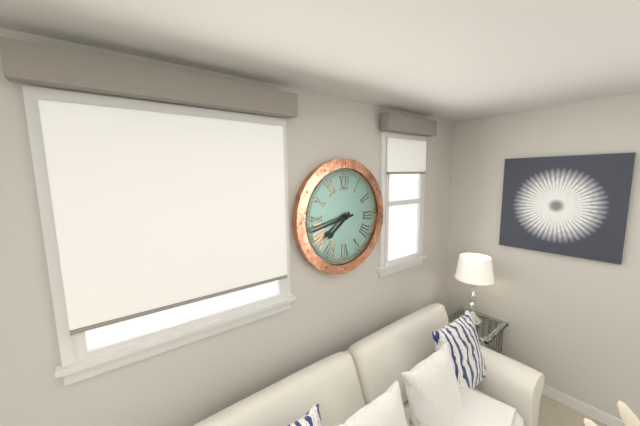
7.43
